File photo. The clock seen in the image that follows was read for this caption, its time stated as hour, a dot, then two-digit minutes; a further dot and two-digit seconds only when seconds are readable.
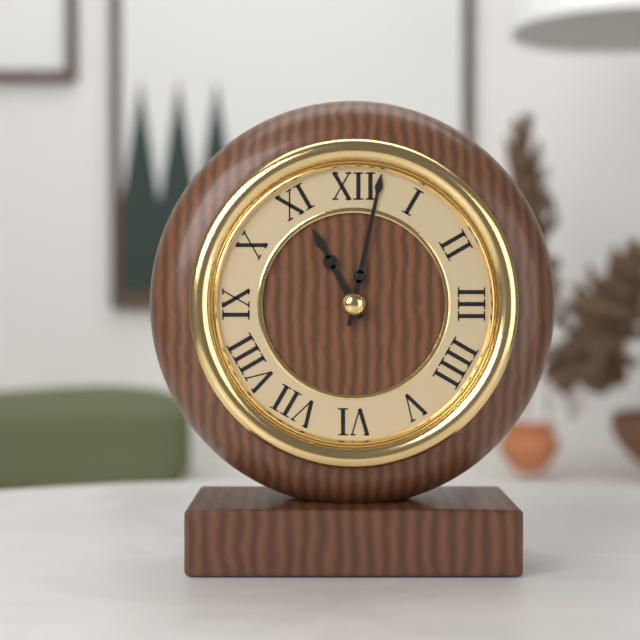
11.02
